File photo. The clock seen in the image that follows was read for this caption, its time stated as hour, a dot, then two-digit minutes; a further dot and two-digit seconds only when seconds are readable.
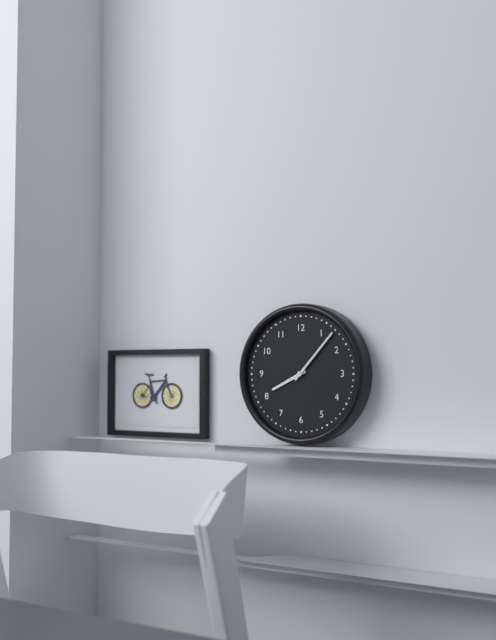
8.07
